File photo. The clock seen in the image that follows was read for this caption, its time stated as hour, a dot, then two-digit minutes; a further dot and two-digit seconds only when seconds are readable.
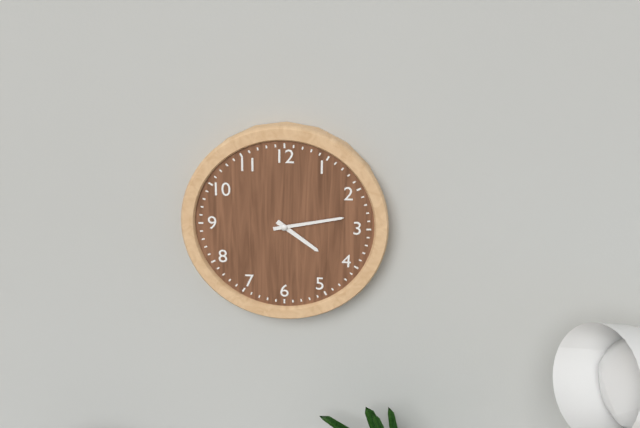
4.13
